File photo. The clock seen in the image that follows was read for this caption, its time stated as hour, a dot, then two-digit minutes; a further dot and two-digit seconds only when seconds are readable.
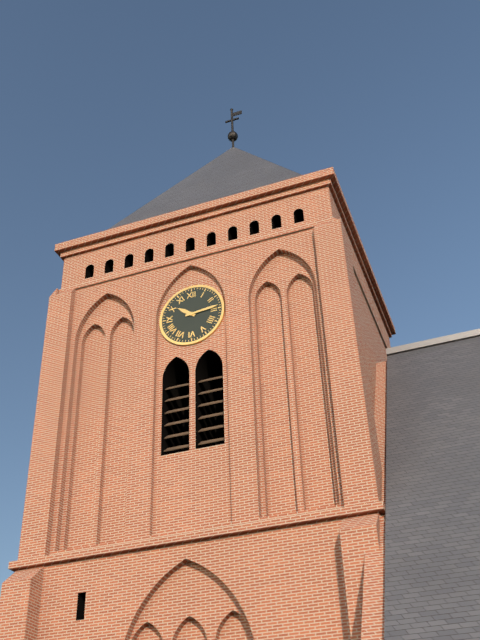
10.14
